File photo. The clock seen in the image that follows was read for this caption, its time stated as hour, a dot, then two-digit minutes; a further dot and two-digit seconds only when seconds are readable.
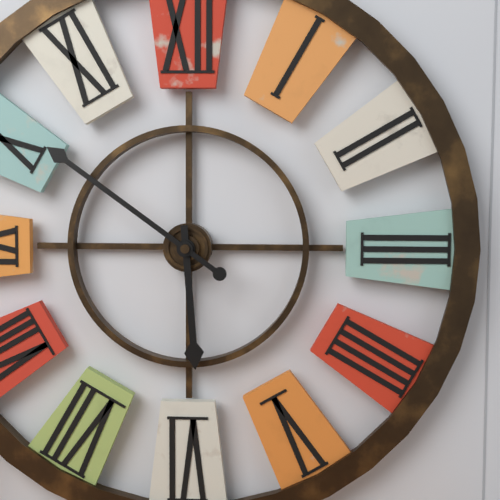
5.51
